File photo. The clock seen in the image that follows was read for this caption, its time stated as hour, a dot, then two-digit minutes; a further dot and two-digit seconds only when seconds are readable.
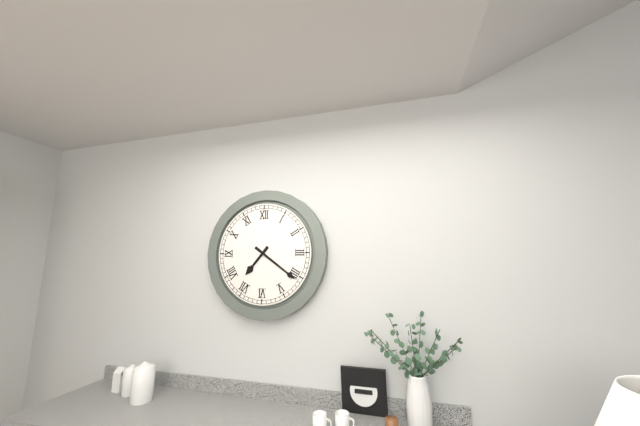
7.21
